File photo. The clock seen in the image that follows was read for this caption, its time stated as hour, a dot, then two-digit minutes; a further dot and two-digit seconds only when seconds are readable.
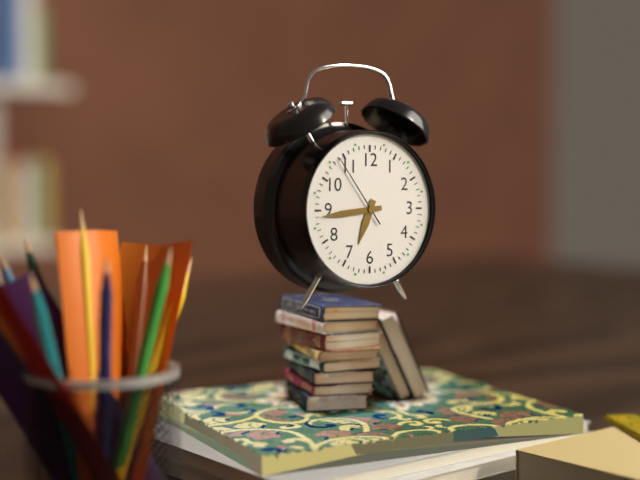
6.44.54
